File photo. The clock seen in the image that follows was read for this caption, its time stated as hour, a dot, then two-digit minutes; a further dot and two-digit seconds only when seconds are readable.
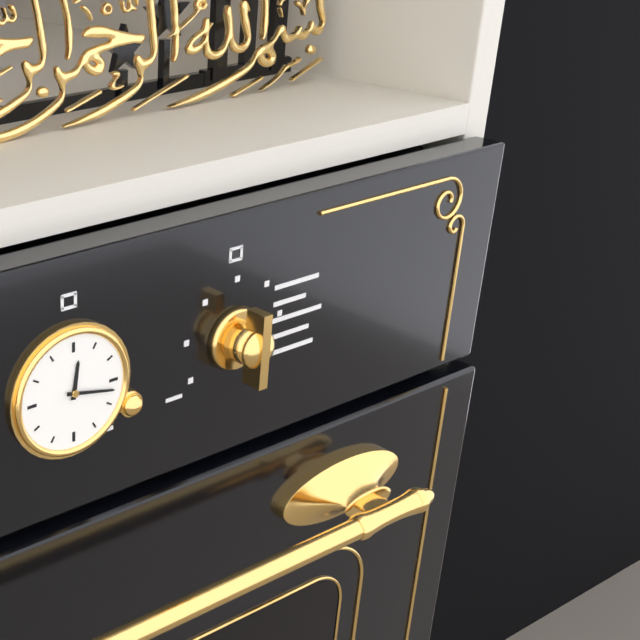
12.17
